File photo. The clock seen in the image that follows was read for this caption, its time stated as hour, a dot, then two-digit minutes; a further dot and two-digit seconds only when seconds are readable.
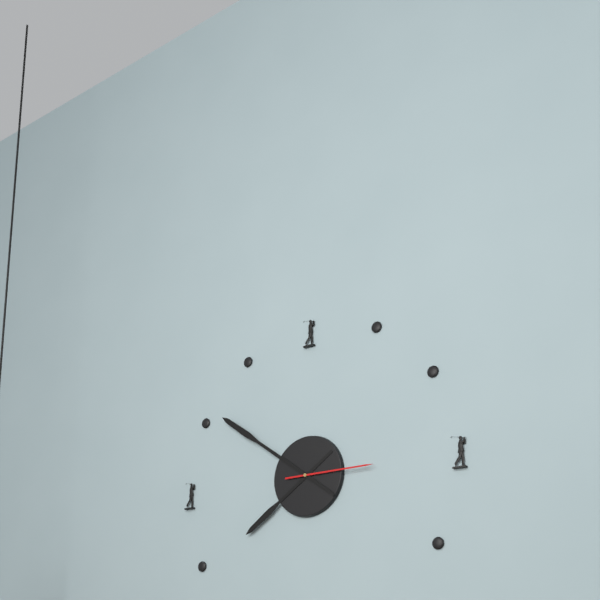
7.51.15
